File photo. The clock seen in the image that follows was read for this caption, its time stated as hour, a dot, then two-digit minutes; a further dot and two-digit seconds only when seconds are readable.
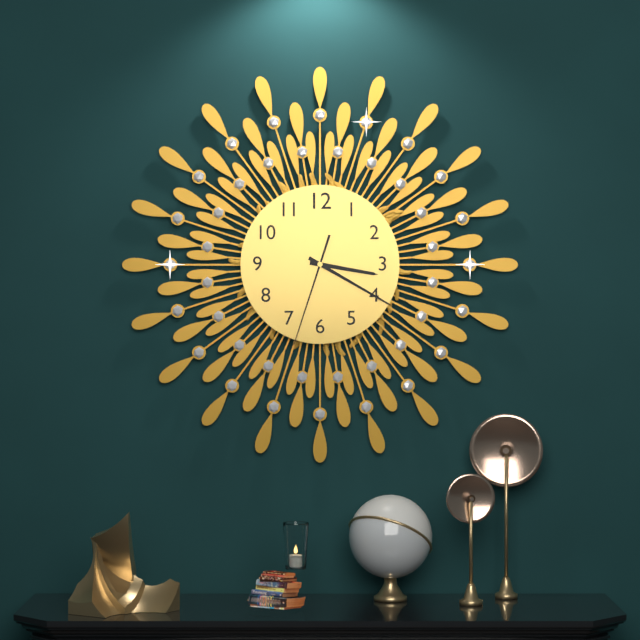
3.20.33
